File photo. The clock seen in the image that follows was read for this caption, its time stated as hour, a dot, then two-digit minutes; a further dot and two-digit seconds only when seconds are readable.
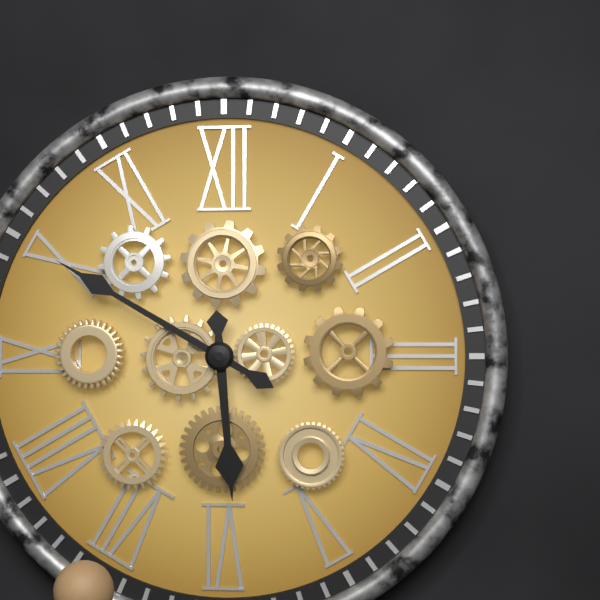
5.50
